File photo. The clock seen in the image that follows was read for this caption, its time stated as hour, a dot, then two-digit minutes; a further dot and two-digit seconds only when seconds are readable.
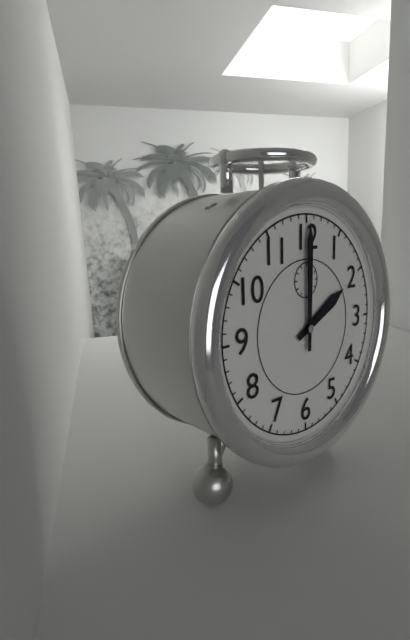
2.00
